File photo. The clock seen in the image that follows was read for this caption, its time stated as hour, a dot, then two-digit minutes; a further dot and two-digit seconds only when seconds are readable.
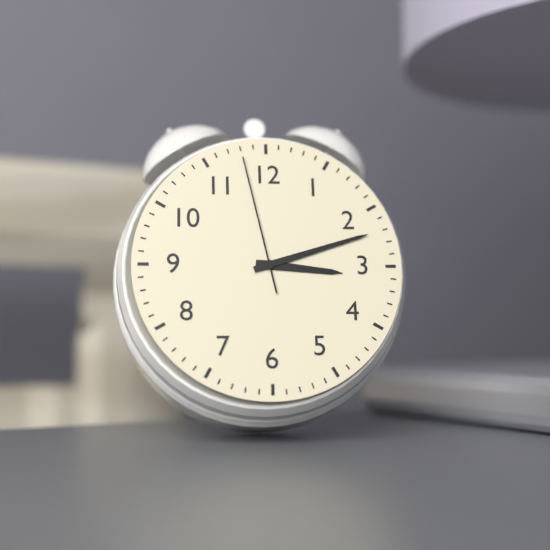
3.12.58
